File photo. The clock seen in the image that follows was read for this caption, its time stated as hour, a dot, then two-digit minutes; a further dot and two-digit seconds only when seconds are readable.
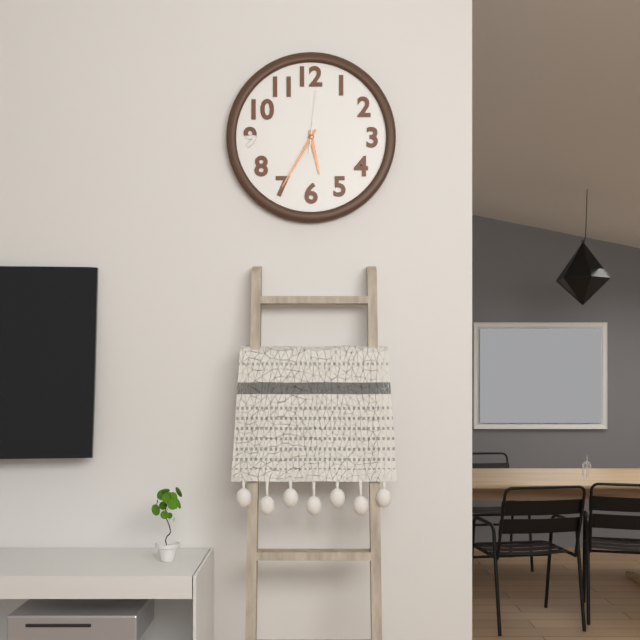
5.35.01
